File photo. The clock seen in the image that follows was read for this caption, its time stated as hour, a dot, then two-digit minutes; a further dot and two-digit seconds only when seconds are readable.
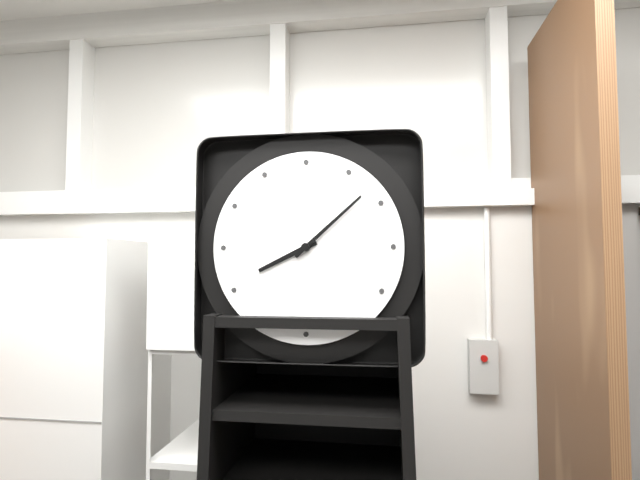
8.08
